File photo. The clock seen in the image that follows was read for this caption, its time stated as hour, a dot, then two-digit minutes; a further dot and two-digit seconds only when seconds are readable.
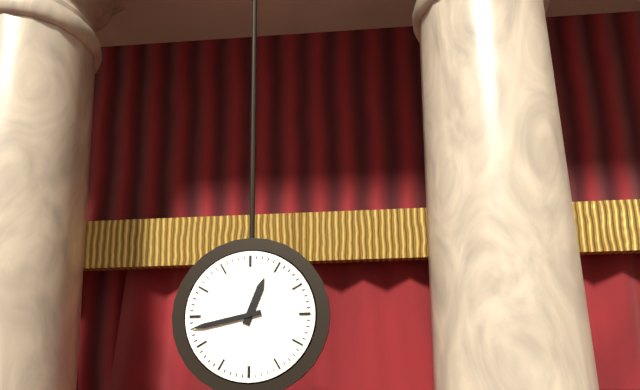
12.43
